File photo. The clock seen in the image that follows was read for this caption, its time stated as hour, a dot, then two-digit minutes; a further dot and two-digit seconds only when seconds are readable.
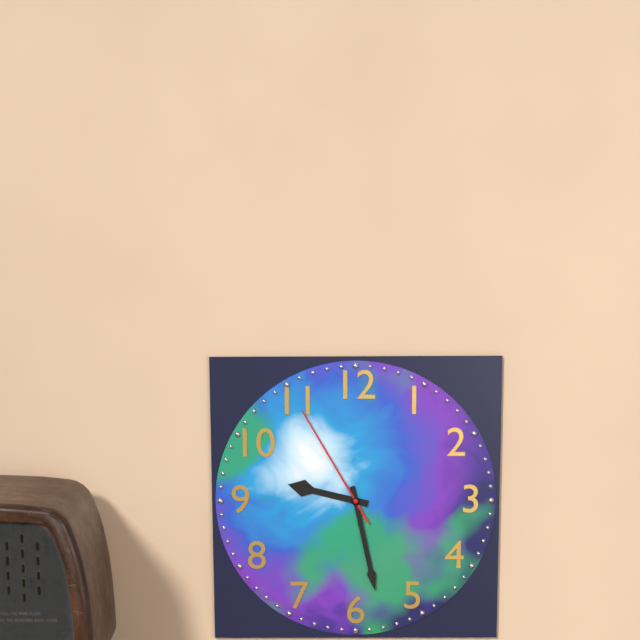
9.28.55
